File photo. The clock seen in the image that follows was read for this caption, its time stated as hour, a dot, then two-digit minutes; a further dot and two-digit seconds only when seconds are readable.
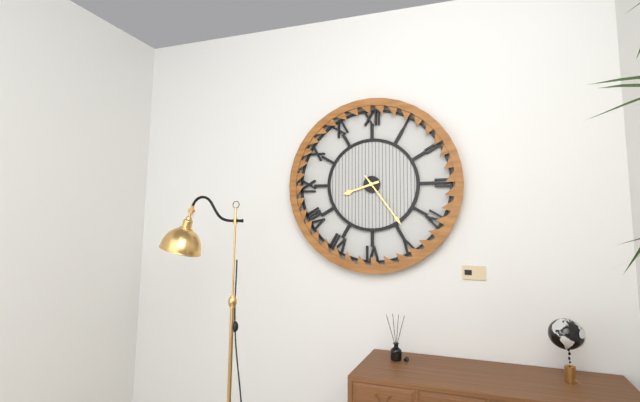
8.24
